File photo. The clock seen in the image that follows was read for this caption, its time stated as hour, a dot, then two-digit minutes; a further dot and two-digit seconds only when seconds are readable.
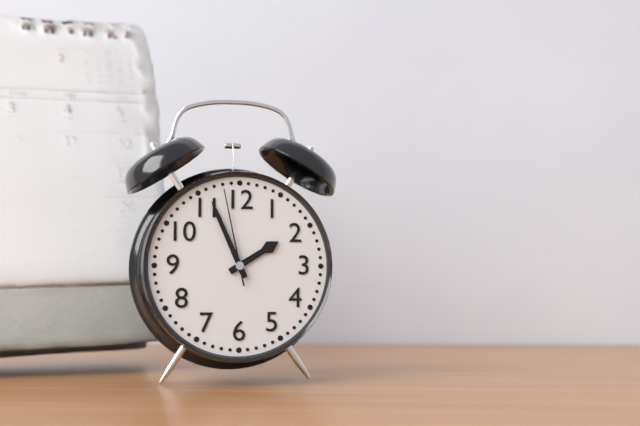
1.56.58
